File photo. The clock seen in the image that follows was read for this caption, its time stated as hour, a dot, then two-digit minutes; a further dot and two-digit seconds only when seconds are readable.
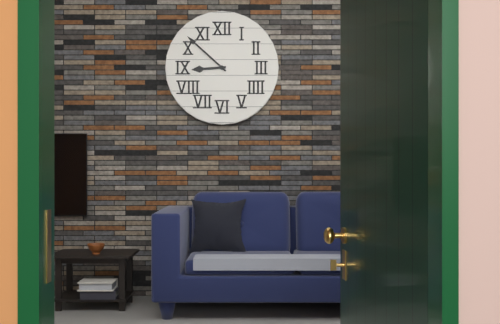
8.52
